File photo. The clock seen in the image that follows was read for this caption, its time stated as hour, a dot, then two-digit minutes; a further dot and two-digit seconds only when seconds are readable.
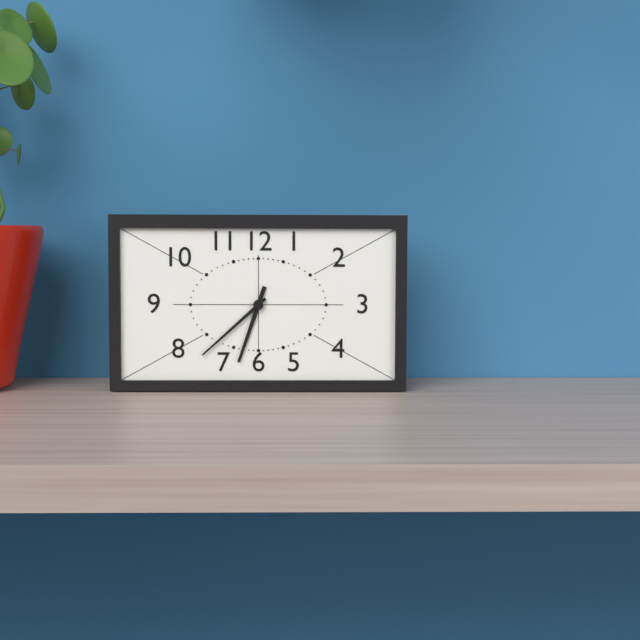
6.38
